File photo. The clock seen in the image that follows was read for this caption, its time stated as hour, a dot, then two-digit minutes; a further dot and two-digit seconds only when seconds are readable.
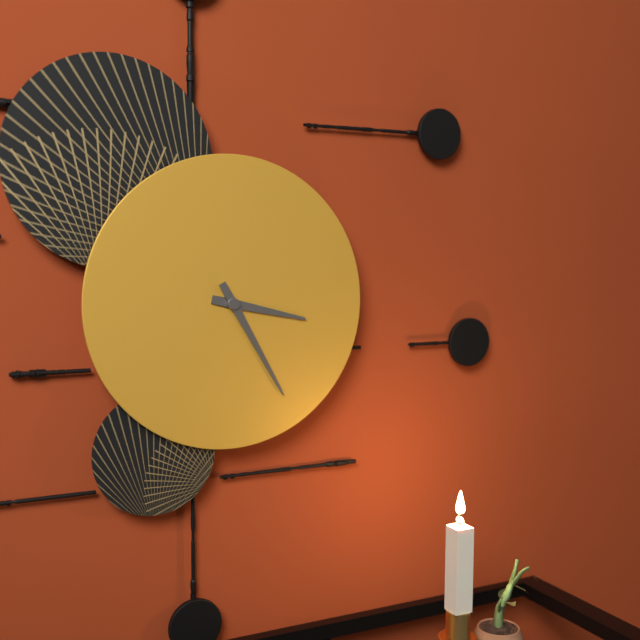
3.25
